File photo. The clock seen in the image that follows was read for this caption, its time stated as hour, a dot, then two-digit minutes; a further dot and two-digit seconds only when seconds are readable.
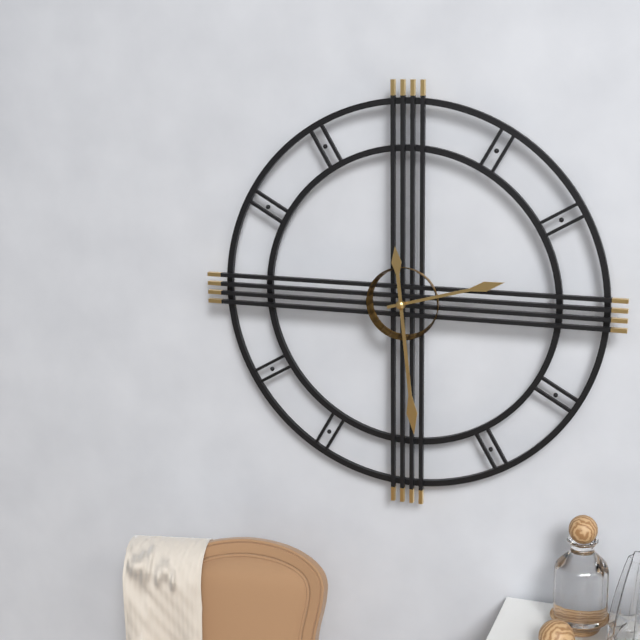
2.29
